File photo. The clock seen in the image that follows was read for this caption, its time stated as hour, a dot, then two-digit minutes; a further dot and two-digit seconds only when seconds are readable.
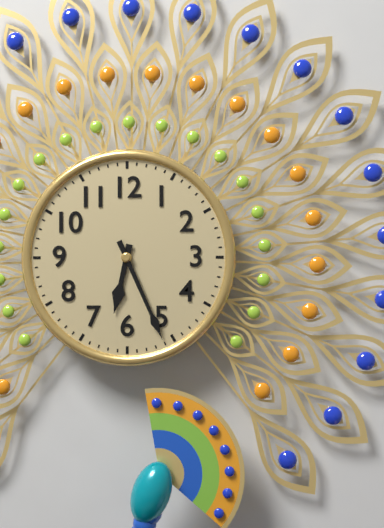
6.26
